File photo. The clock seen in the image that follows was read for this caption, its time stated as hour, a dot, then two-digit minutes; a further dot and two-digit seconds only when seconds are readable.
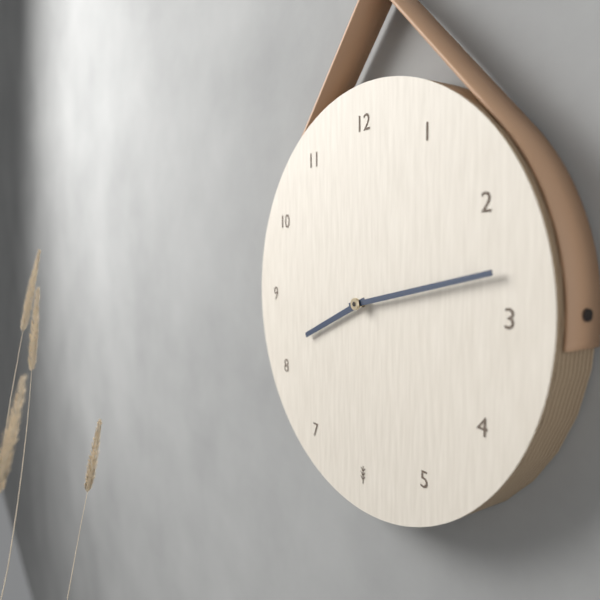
8.13
